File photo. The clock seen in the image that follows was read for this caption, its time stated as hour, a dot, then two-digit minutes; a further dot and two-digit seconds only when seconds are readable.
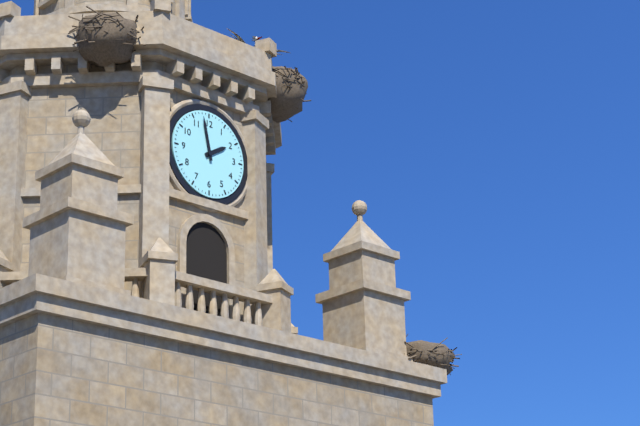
1.58
